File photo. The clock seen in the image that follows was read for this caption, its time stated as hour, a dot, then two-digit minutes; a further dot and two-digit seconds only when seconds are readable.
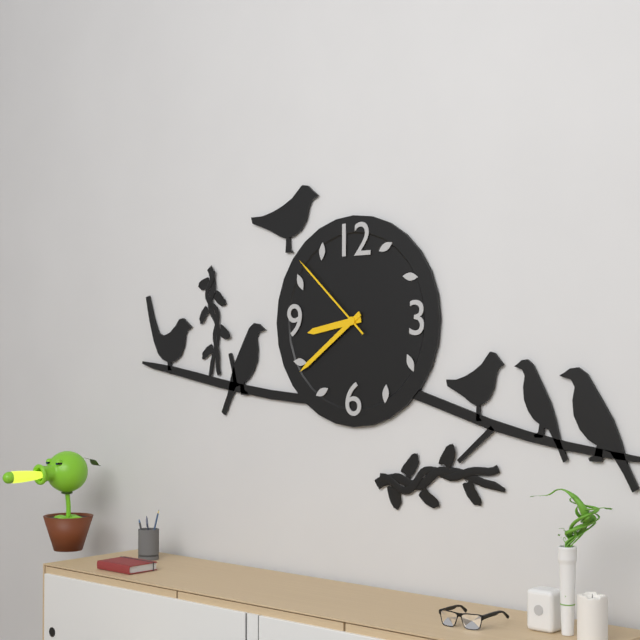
8.39.52
